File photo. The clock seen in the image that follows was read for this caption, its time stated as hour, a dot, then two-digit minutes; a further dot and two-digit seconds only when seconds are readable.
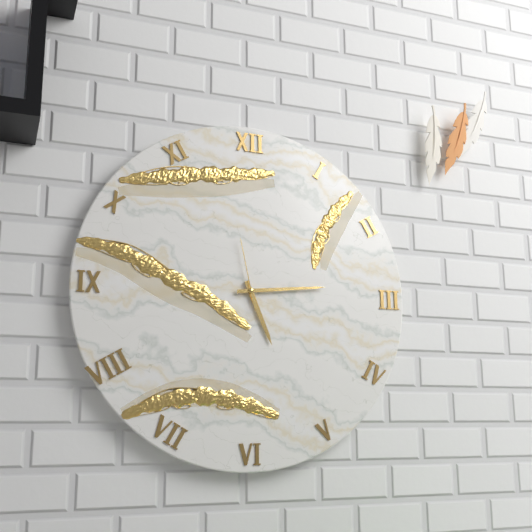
5.14.58
